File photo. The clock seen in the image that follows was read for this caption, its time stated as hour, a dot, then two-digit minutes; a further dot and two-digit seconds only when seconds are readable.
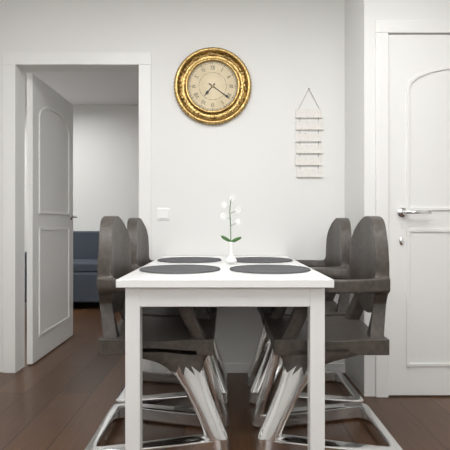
7.21
